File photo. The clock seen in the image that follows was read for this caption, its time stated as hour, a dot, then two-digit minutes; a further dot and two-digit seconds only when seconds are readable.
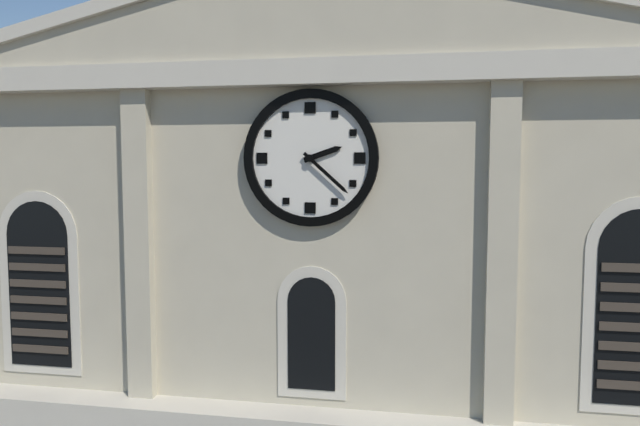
2.22
